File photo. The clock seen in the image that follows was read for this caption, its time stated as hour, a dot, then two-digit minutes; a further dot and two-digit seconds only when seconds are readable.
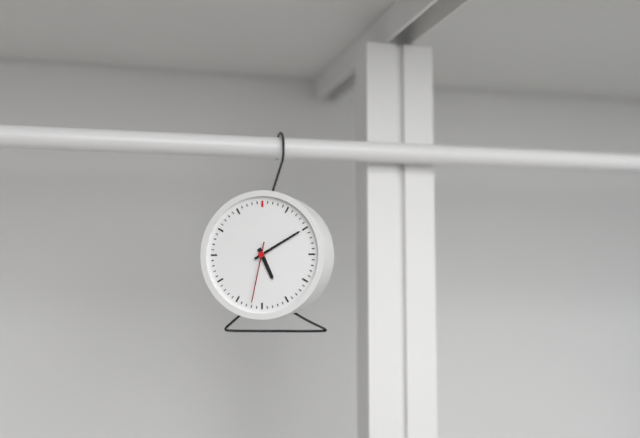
5.10.32
